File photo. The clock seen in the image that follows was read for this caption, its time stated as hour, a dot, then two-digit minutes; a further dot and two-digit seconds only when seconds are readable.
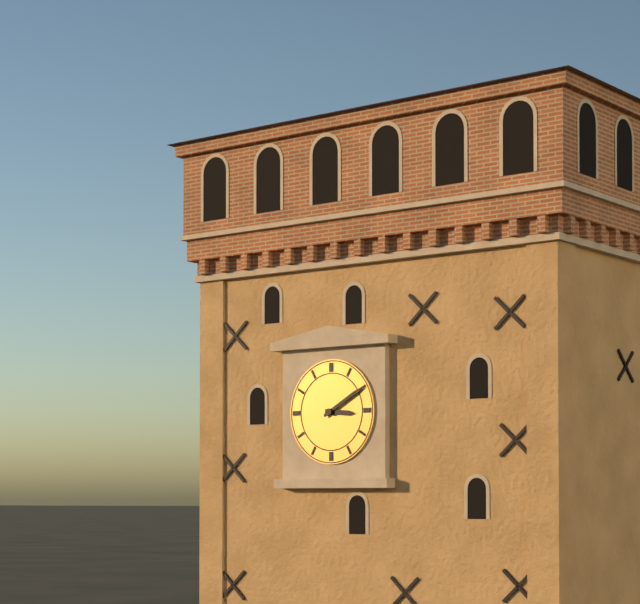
3.10
